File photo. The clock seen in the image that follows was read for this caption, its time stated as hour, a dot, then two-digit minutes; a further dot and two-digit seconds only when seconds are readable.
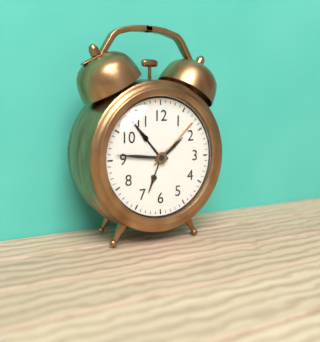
1.46
